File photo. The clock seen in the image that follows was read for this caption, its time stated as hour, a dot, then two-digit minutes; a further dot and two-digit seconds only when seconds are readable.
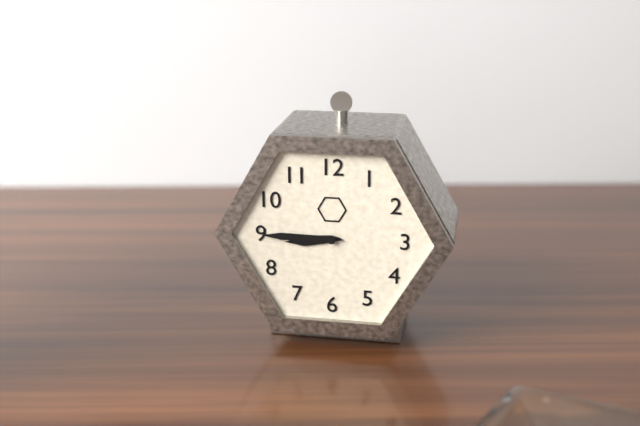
8.45
